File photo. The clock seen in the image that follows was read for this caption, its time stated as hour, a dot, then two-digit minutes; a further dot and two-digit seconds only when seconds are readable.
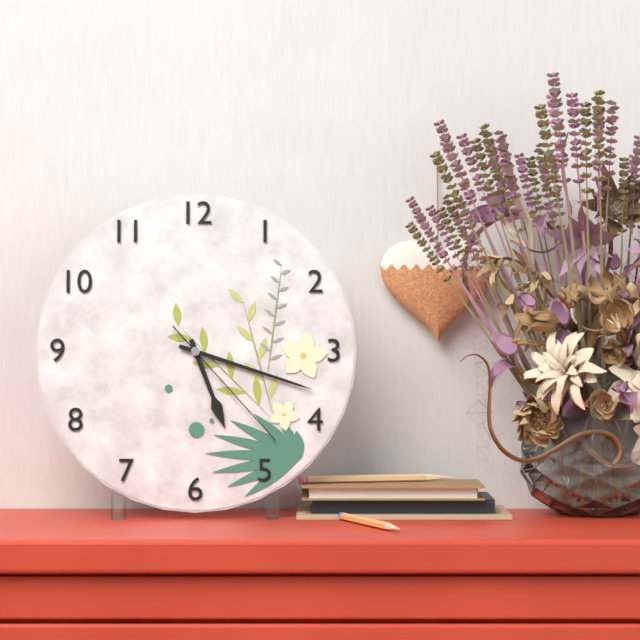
5.18.23
